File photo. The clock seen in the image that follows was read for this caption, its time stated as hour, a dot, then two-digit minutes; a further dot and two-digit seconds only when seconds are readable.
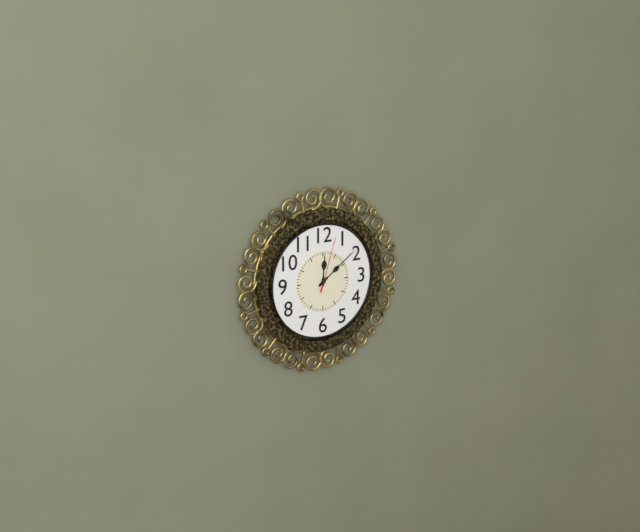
12.09.03
